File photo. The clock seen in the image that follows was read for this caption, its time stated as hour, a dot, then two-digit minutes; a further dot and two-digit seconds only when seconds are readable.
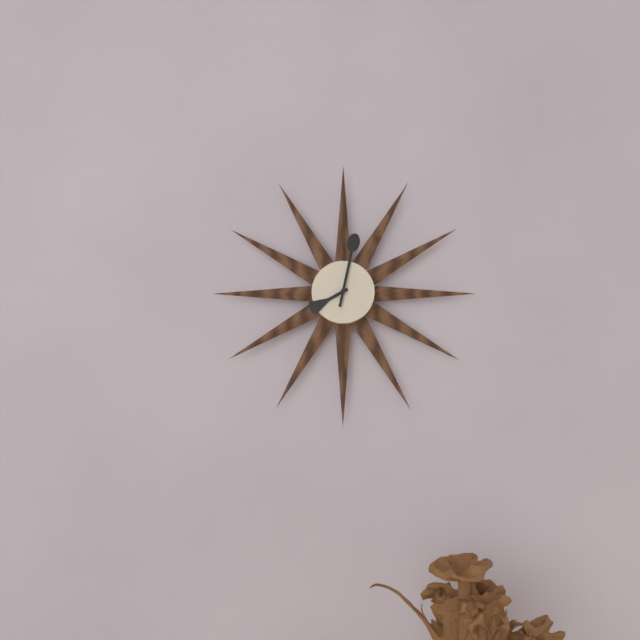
8.02
